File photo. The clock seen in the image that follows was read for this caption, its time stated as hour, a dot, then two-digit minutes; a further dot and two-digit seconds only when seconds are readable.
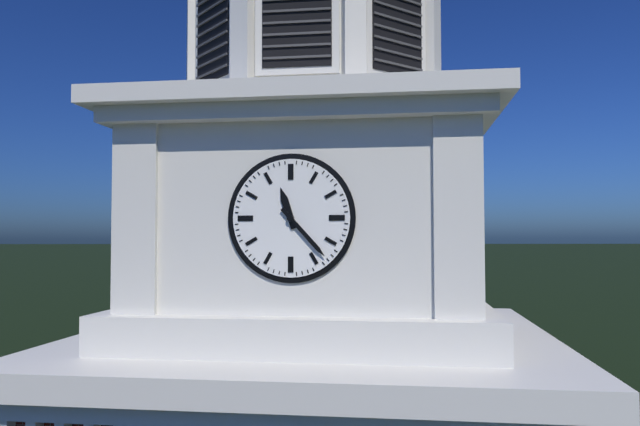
11.23
